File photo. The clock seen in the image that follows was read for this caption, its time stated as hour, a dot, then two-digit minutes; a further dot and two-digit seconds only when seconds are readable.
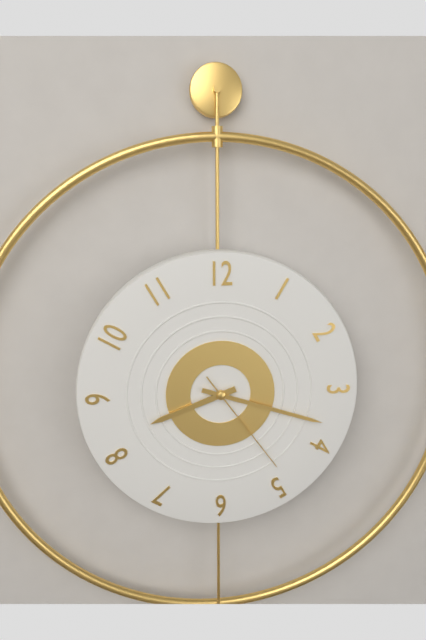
8.18.24
